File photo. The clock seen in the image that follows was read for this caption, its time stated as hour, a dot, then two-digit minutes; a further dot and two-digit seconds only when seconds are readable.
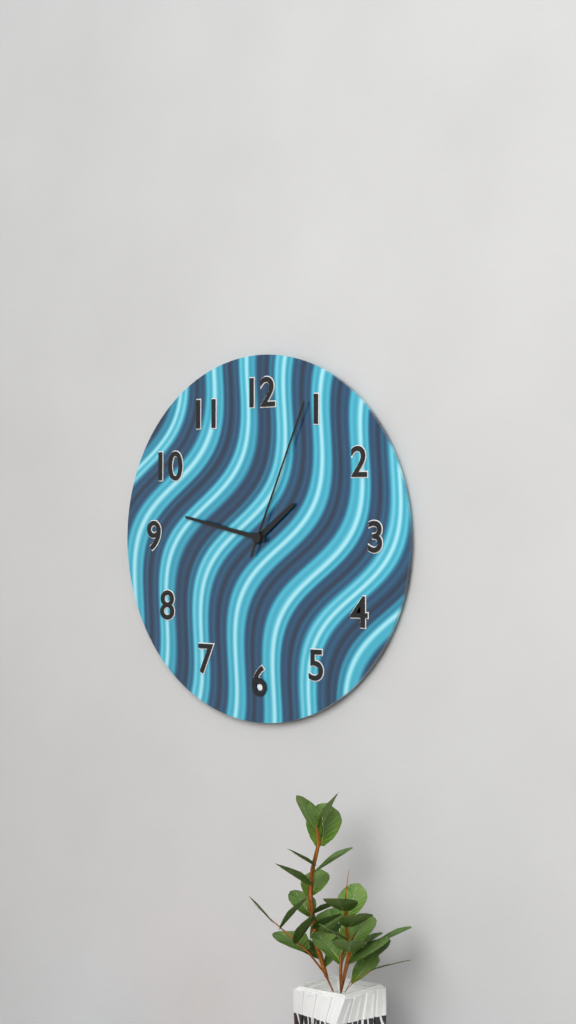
1.47.04
